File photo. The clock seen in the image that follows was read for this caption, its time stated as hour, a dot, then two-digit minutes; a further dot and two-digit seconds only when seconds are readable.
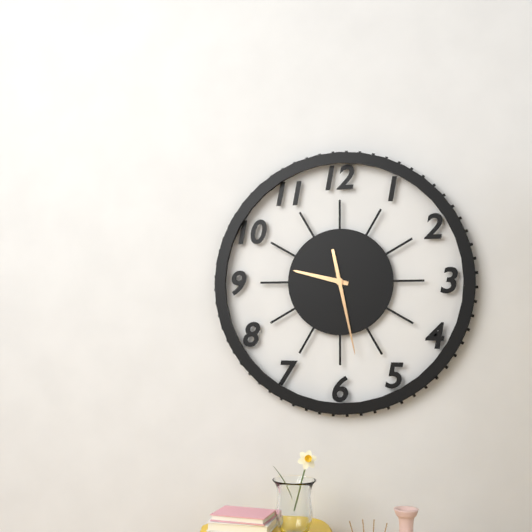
9.28
